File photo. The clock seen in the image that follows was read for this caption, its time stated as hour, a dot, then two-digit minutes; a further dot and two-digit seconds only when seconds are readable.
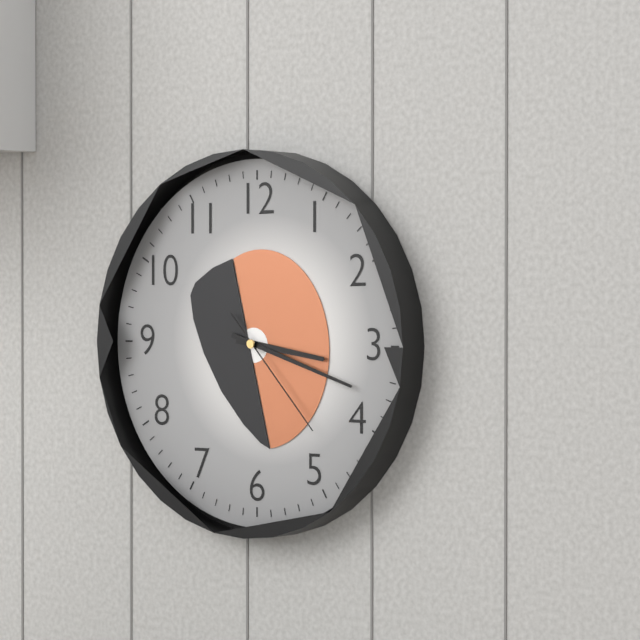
3.18.23
